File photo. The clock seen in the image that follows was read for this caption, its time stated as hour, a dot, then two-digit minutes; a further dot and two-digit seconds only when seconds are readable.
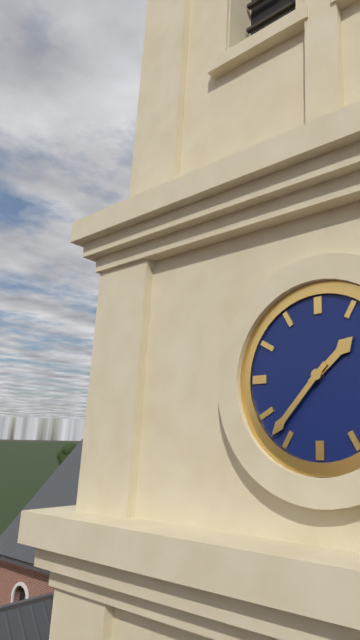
1.37
